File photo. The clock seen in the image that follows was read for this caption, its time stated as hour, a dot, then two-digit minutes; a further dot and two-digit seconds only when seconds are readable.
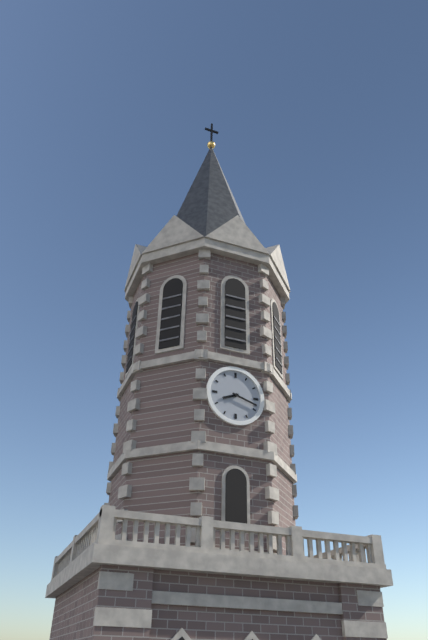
8.18
